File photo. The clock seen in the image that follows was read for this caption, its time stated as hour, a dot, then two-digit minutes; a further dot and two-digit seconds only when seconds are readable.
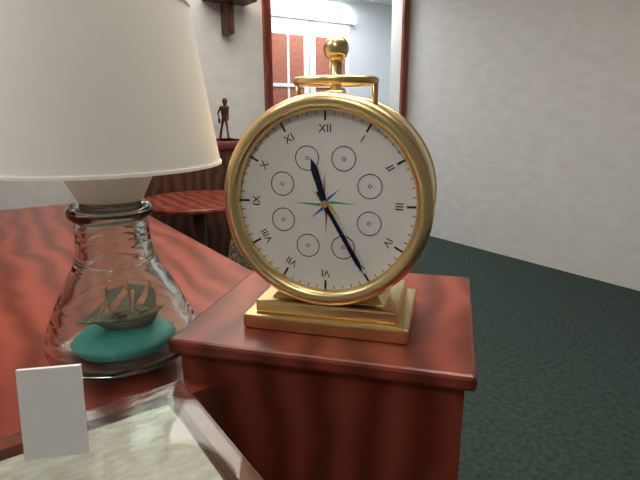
11.25
